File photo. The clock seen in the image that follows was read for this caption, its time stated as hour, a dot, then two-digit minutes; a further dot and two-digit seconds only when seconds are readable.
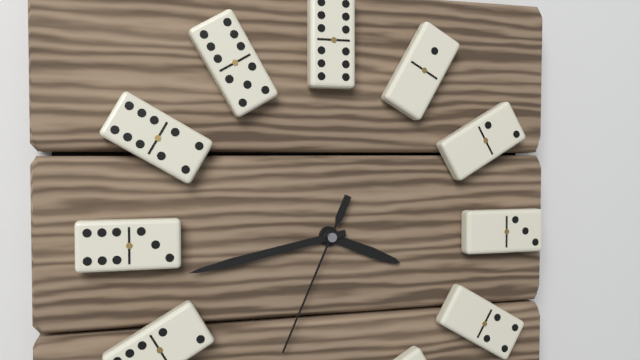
3.43.34
